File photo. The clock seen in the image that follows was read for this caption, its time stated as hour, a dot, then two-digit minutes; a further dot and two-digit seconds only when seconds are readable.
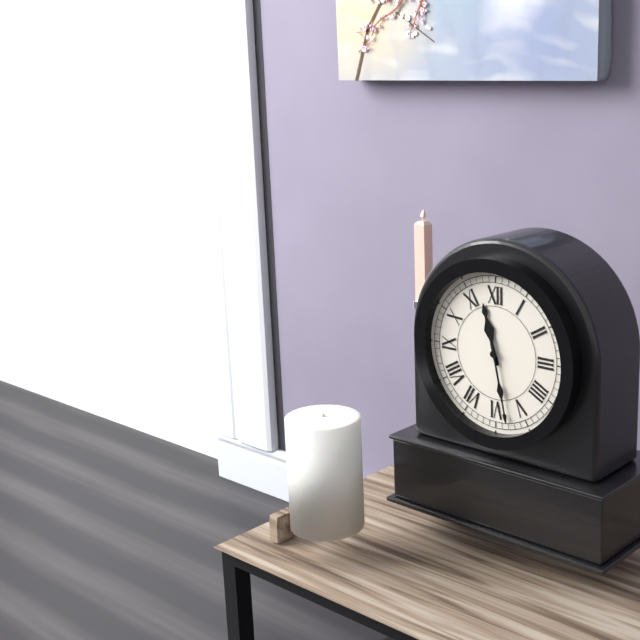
11.28
